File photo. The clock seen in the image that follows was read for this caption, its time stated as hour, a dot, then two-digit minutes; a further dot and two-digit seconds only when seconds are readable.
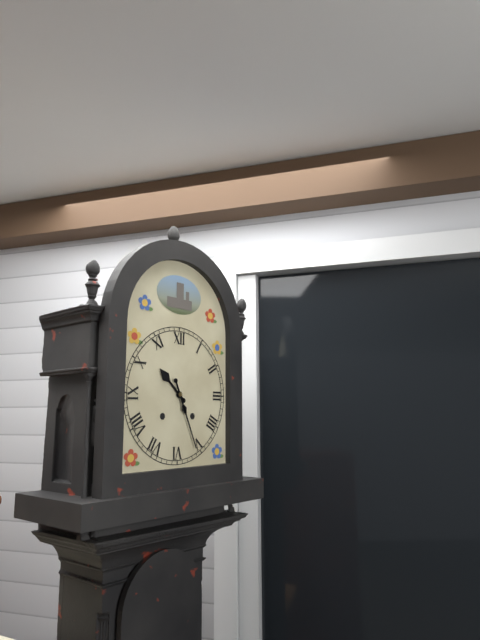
10.26
